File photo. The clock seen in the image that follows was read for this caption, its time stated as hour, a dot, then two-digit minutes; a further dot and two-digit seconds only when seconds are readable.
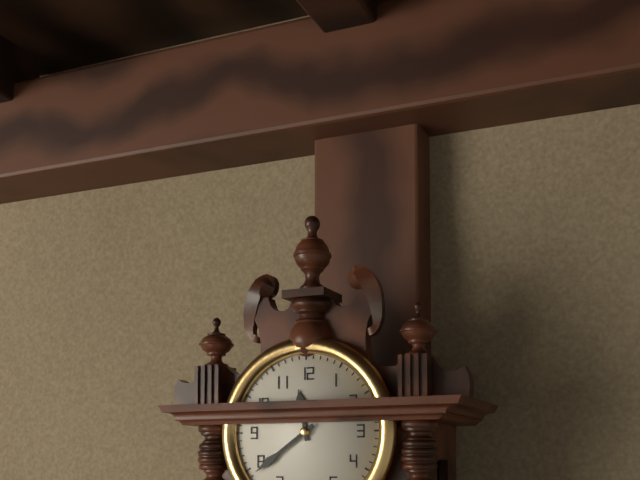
11.39
